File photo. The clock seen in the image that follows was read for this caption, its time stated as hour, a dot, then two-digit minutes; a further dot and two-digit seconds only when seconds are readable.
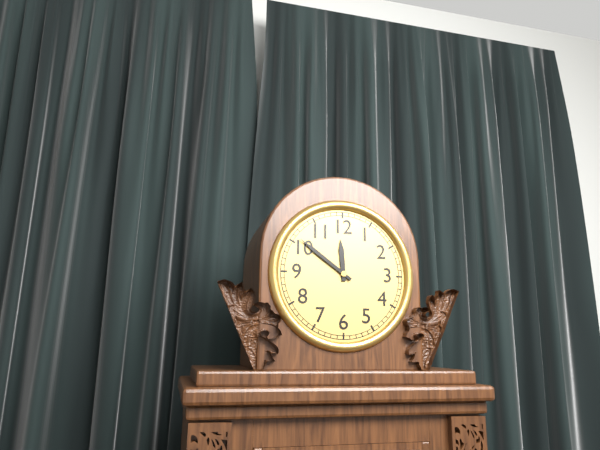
11.51
